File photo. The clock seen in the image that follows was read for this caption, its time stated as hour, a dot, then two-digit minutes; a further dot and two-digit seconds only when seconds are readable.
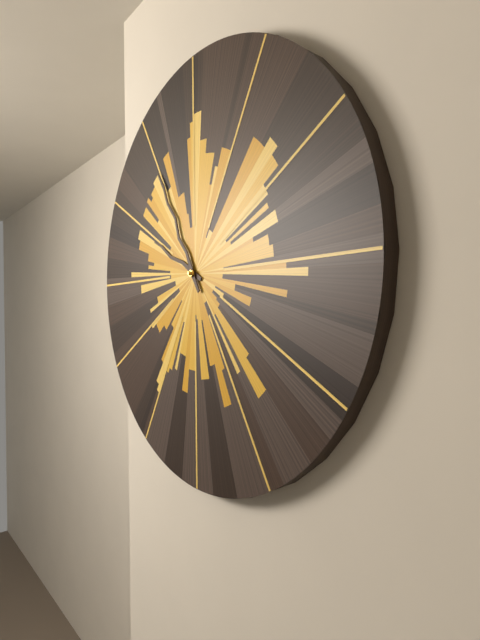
9.55
